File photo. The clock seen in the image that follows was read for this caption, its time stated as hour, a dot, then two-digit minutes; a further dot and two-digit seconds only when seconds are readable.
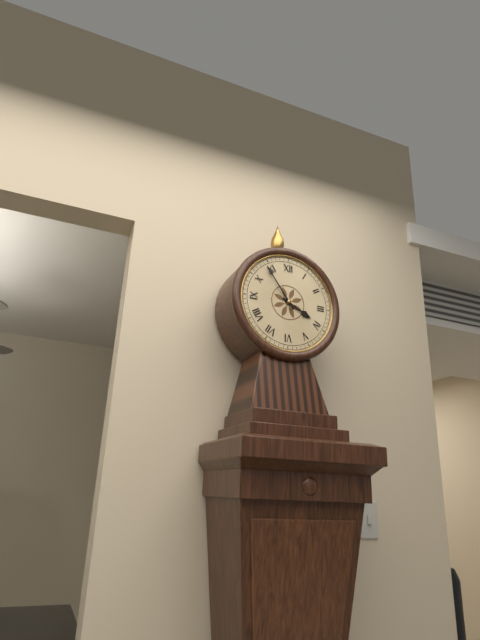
3.54
